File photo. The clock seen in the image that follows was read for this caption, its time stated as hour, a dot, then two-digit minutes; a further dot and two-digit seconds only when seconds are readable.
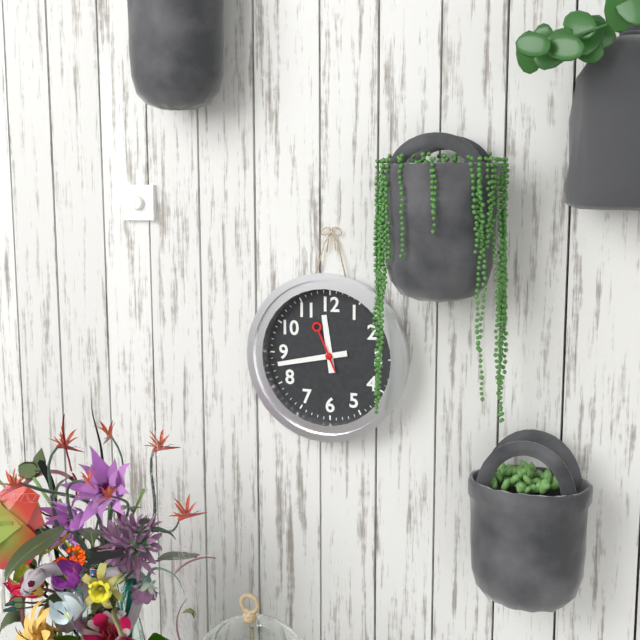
11.43
